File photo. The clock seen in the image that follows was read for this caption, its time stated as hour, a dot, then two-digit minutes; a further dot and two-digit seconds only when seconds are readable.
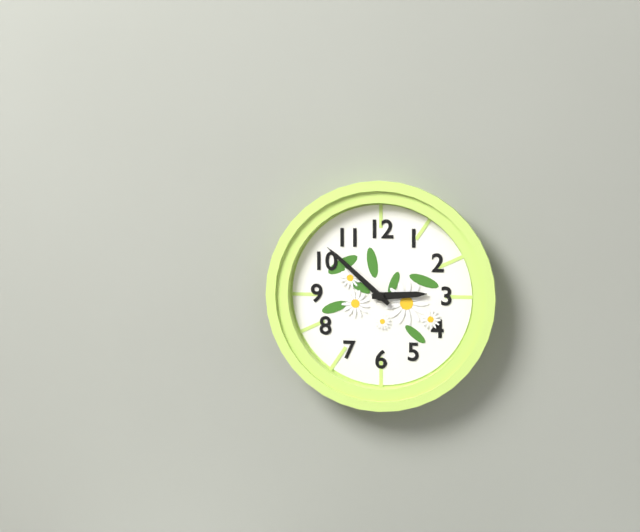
2.52
